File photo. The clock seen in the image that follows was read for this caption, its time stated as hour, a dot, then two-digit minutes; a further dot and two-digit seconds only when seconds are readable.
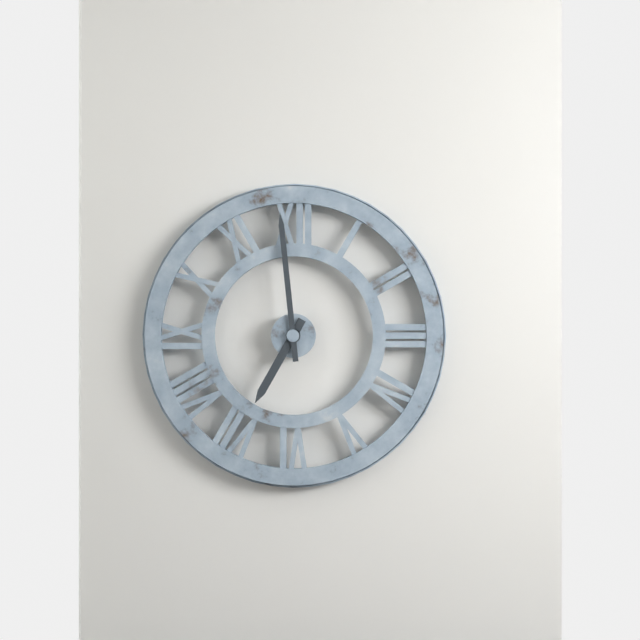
6.59
